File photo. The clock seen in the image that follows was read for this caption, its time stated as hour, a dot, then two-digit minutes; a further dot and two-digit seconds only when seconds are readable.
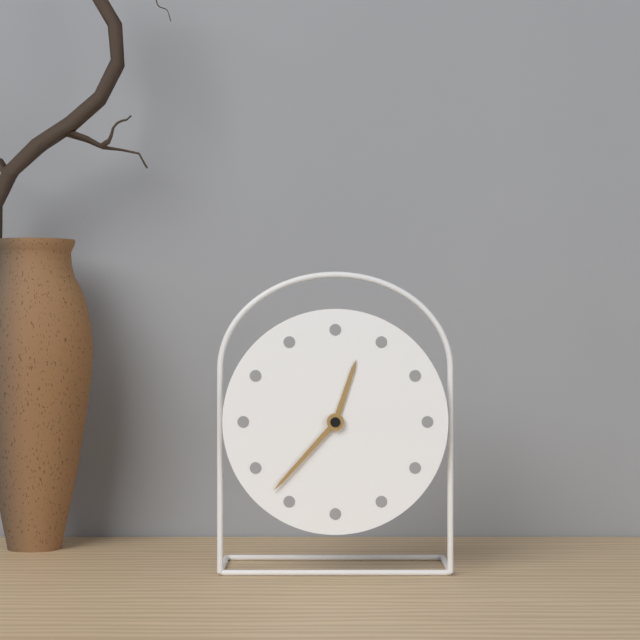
12.37
